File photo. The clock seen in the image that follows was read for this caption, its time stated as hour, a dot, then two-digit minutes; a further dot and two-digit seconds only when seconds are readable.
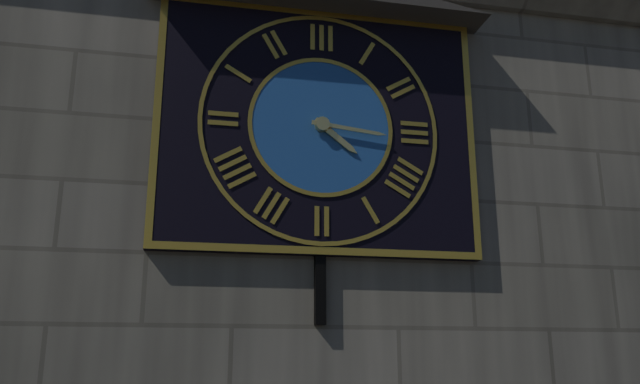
4.16
